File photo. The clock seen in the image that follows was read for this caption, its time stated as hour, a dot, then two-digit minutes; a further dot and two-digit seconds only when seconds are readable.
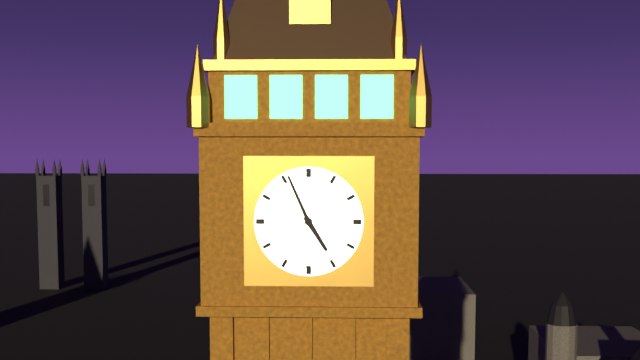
4.56
